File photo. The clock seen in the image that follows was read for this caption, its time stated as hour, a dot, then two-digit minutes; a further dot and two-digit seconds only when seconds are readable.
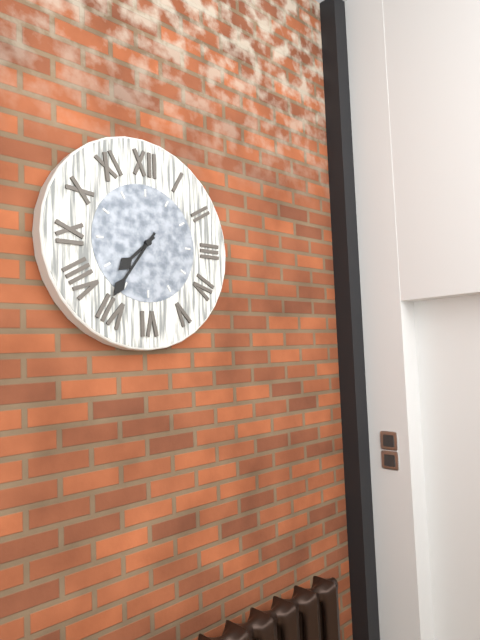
7.36
